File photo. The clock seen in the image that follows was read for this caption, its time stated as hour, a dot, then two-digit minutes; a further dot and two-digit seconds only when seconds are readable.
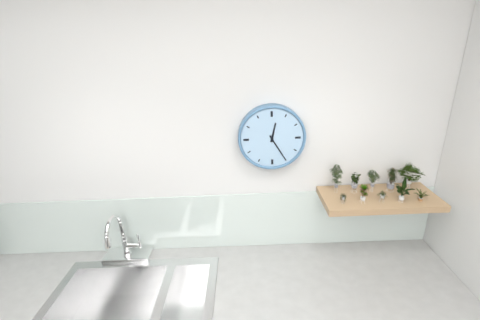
12.25
